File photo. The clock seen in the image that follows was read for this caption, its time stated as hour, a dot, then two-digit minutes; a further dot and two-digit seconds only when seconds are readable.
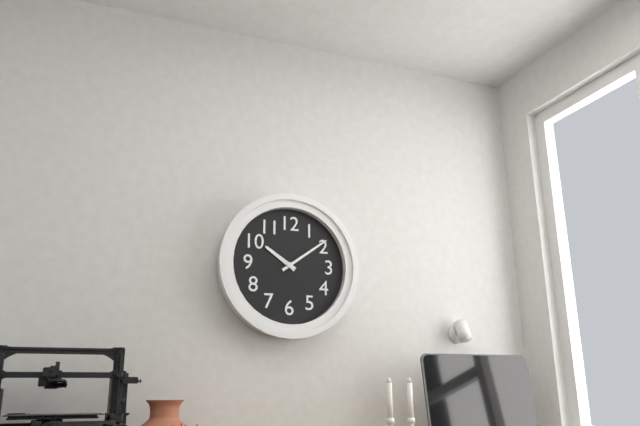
10.09
